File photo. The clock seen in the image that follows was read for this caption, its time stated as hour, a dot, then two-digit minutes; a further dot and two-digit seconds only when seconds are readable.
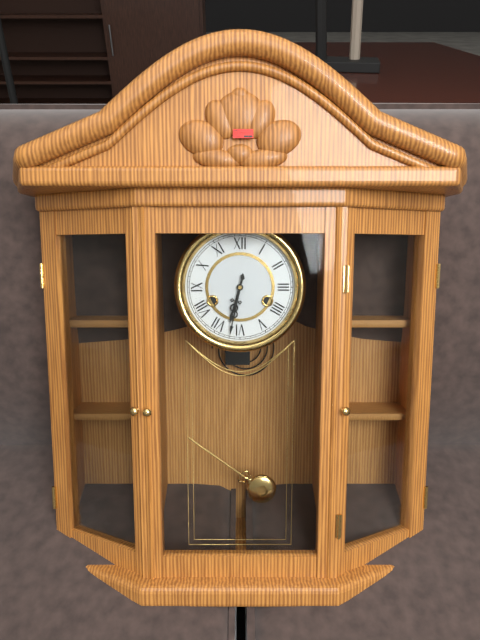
6.32
